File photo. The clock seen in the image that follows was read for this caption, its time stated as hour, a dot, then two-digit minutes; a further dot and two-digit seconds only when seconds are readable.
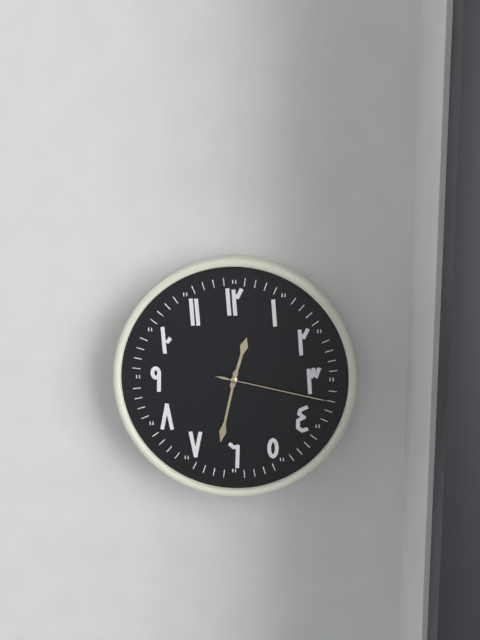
12.32.17
